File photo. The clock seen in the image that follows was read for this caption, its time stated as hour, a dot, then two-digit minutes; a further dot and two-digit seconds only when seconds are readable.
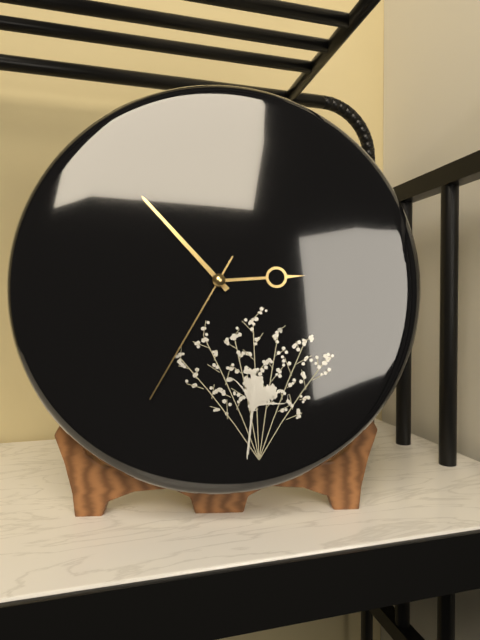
2.53.35
